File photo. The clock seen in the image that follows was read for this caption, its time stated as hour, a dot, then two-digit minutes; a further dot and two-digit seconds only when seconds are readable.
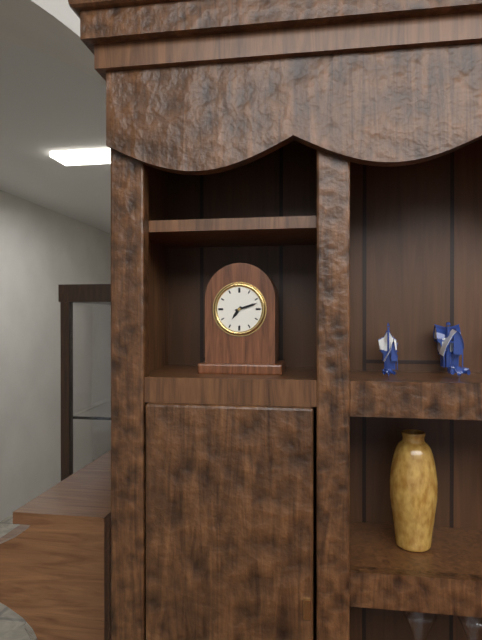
7.12
